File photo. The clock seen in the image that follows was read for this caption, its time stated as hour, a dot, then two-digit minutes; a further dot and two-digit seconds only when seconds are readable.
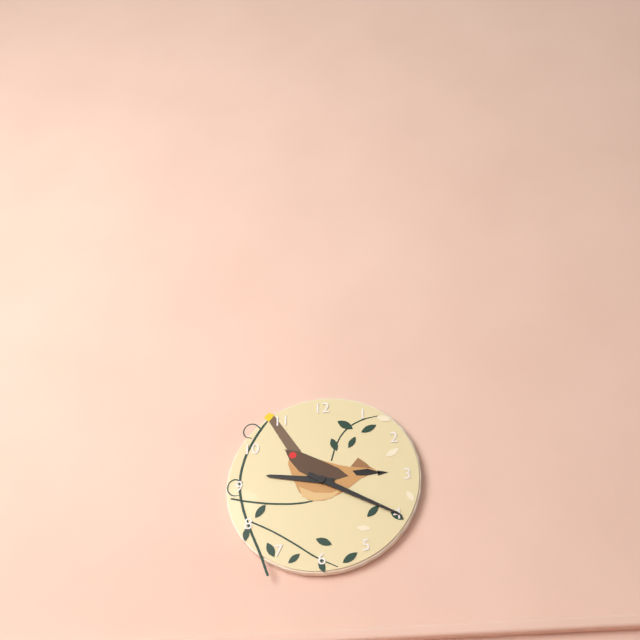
9.20
